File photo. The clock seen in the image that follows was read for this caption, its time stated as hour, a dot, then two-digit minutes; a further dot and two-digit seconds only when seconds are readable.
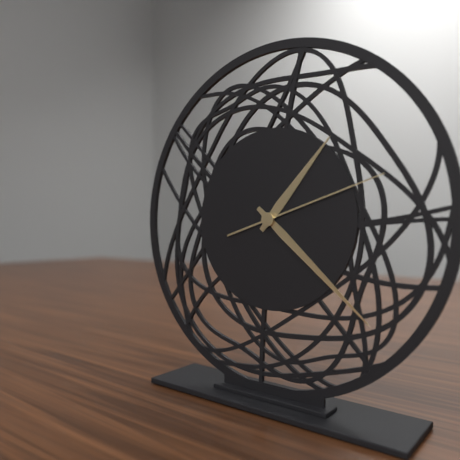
1.22.12
